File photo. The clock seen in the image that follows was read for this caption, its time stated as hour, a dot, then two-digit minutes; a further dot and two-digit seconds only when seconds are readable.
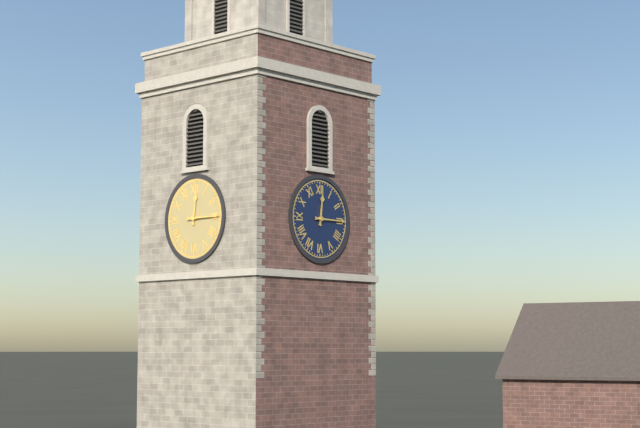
12.15
